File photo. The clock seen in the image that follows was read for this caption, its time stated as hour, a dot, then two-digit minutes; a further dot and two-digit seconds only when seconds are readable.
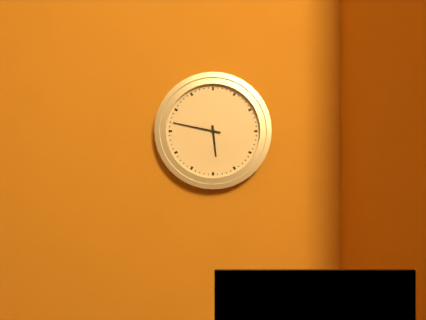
5.47
